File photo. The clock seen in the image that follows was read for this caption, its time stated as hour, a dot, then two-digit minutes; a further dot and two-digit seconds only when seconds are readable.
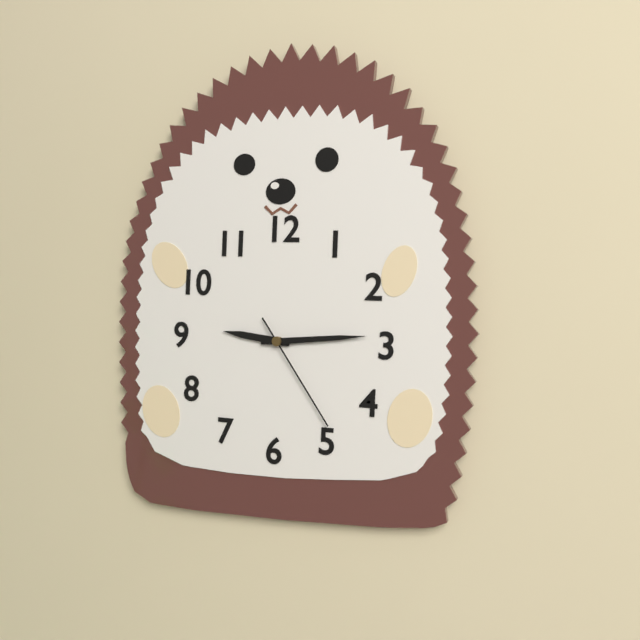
9.14.24
